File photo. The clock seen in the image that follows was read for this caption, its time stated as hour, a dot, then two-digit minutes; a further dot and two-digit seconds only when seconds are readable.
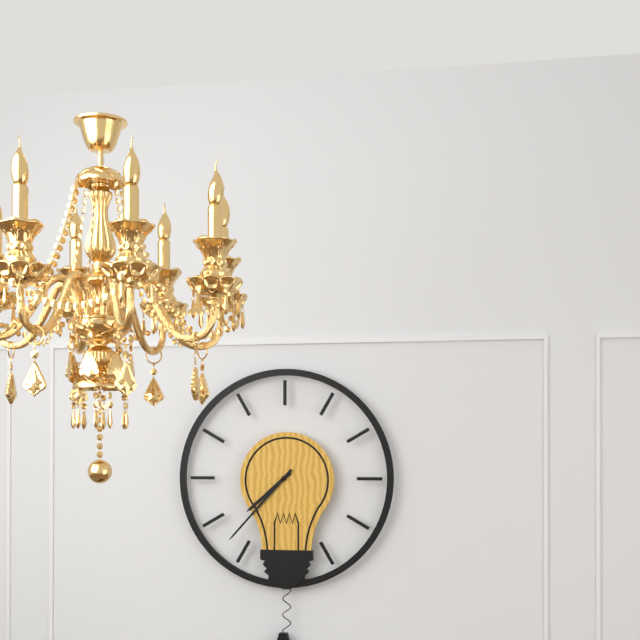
7.37
